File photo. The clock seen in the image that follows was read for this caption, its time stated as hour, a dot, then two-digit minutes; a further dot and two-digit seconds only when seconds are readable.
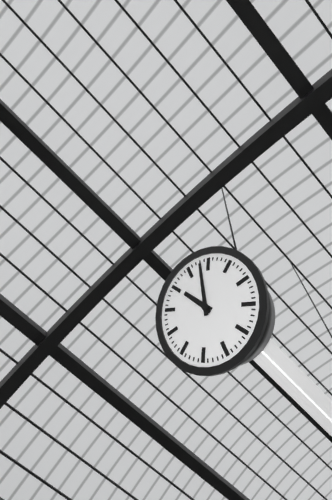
11.03
